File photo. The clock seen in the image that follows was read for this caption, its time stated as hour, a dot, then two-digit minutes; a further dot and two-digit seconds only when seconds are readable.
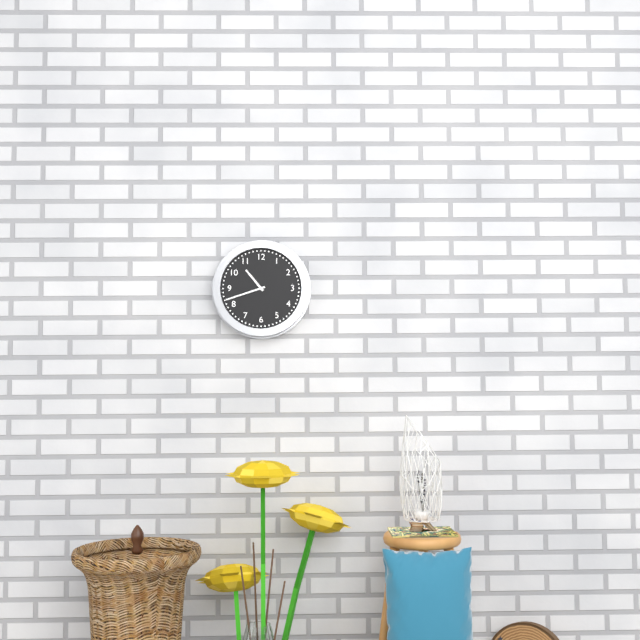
10.42
